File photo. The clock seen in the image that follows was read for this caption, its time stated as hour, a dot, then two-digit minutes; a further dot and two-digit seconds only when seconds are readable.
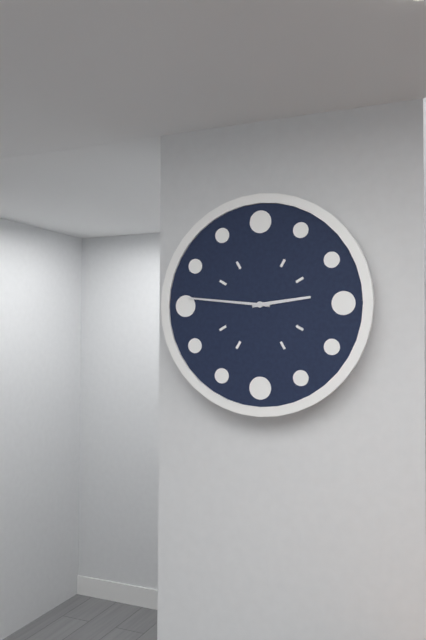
2.46
